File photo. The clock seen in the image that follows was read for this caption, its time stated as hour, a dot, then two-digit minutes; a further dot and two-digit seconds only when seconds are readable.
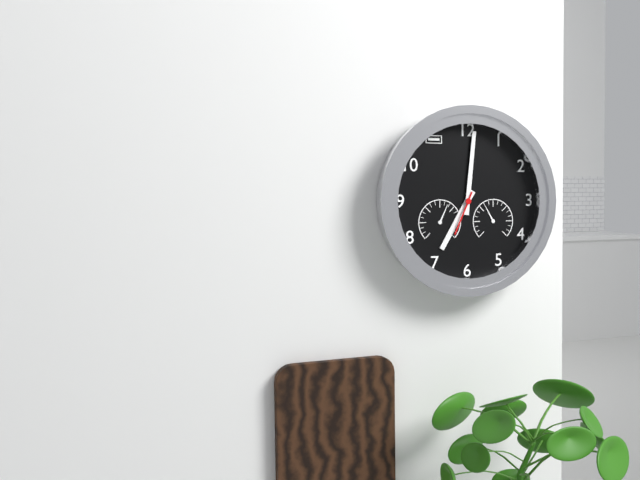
7.01
